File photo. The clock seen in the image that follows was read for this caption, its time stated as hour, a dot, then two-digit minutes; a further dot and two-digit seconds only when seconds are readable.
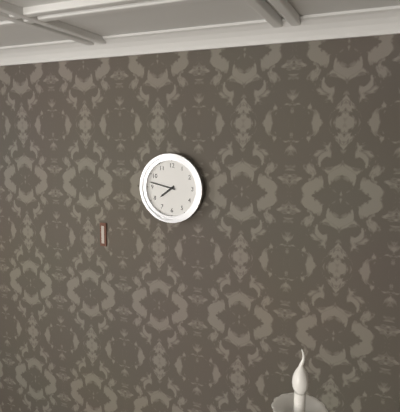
7.47
